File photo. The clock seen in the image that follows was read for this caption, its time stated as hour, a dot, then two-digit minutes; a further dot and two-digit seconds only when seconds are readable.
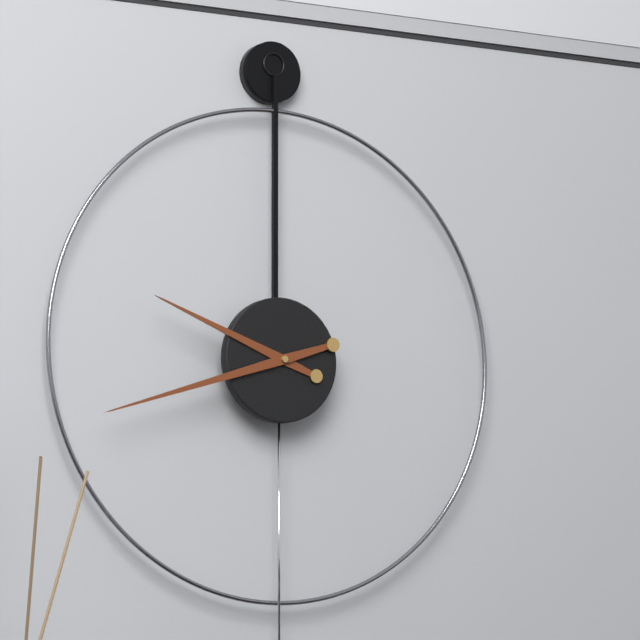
9.42
